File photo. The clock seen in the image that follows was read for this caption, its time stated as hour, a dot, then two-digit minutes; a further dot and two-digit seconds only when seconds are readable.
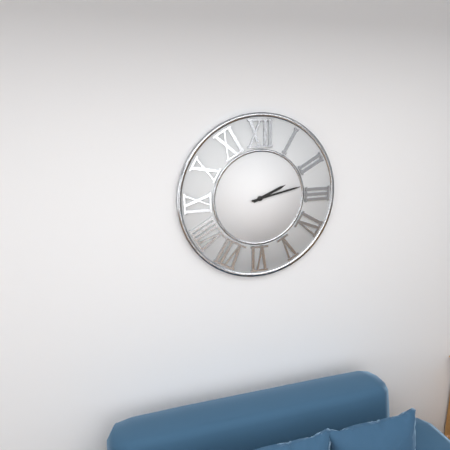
2.13
